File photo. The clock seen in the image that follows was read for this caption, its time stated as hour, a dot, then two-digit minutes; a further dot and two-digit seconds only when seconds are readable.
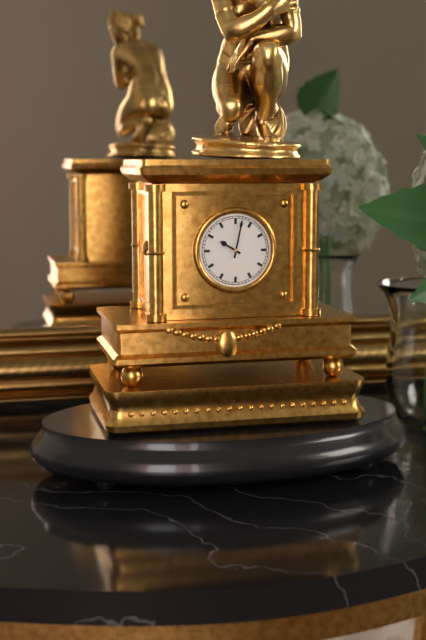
10.02
